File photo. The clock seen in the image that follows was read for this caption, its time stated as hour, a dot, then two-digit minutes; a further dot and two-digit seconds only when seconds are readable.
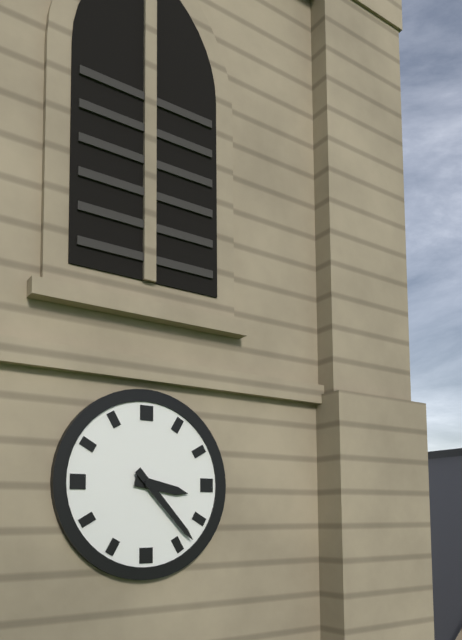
3.23
